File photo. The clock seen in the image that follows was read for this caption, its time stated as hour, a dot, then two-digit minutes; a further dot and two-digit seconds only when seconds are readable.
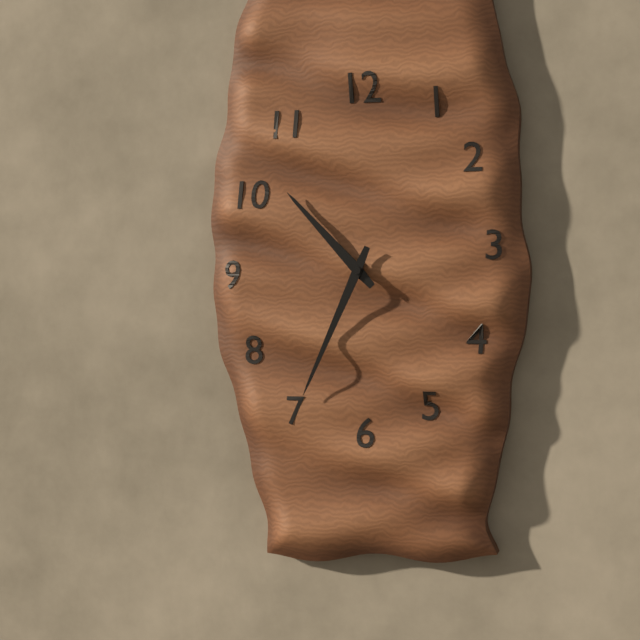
10.34
